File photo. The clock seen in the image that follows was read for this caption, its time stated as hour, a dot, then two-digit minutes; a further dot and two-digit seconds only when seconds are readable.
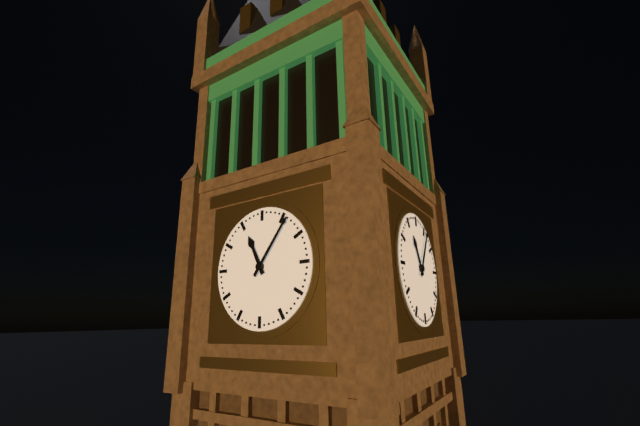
11.06
